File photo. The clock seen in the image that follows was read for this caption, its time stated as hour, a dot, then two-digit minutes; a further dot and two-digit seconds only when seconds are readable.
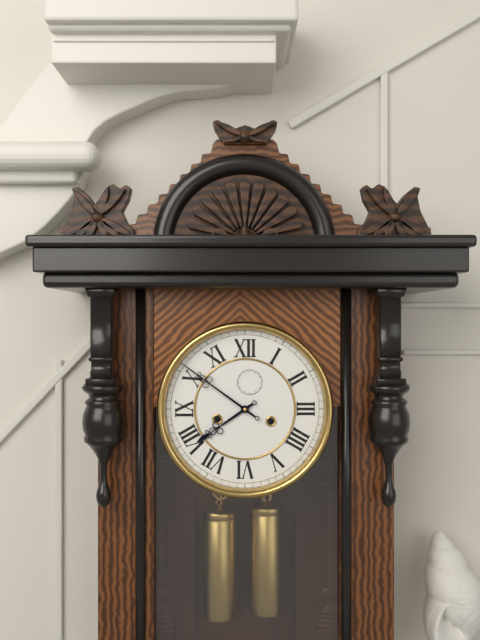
7.51
